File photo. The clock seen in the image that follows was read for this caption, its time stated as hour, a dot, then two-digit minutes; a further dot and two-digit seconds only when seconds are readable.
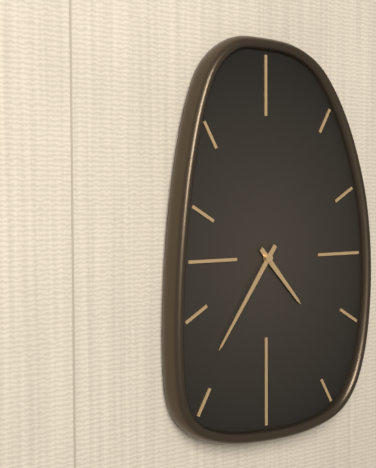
4.36
